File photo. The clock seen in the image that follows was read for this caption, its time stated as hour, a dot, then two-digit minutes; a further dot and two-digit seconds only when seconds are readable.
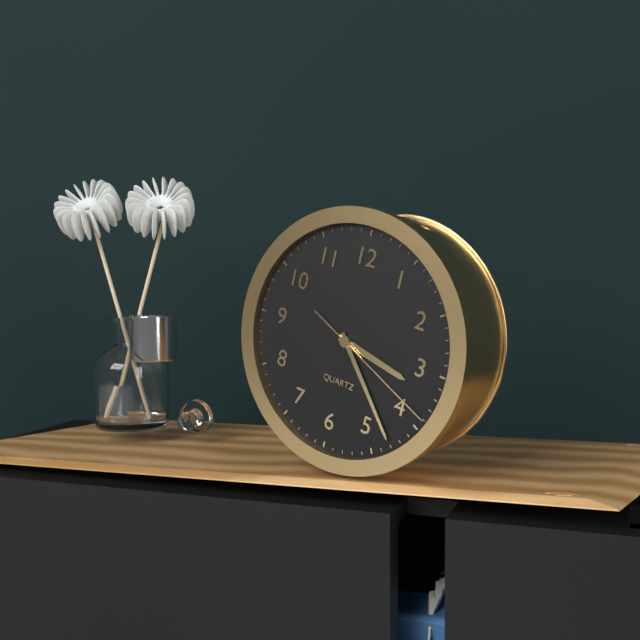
3.23.19
